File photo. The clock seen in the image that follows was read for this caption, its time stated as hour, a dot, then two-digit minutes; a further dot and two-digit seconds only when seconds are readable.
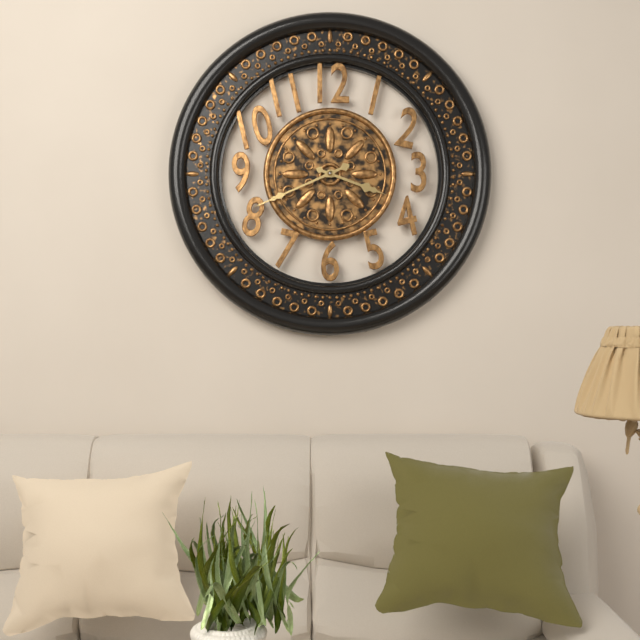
3.41
